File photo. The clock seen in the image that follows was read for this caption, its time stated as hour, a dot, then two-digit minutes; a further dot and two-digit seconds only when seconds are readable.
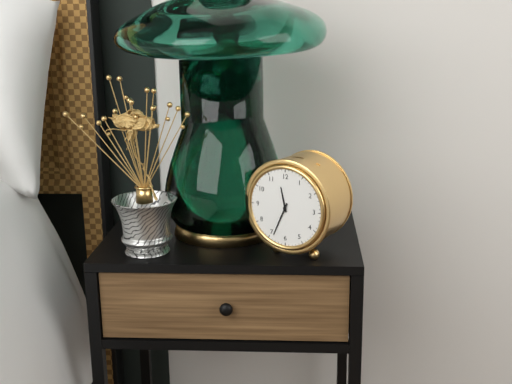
11.34
